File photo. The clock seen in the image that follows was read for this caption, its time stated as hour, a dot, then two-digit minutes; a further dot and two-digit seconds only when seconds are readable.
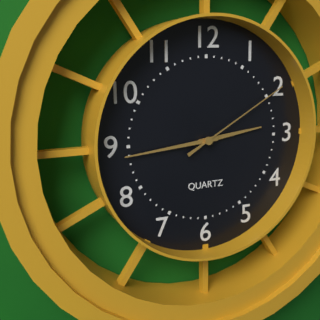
2.44.10
